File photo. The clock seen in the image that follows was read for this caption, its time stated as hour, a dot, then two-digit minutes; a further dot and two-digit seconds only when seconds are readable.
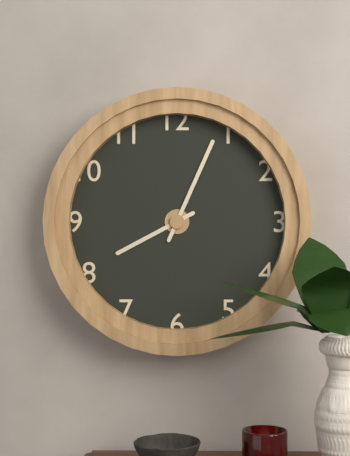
8.04
